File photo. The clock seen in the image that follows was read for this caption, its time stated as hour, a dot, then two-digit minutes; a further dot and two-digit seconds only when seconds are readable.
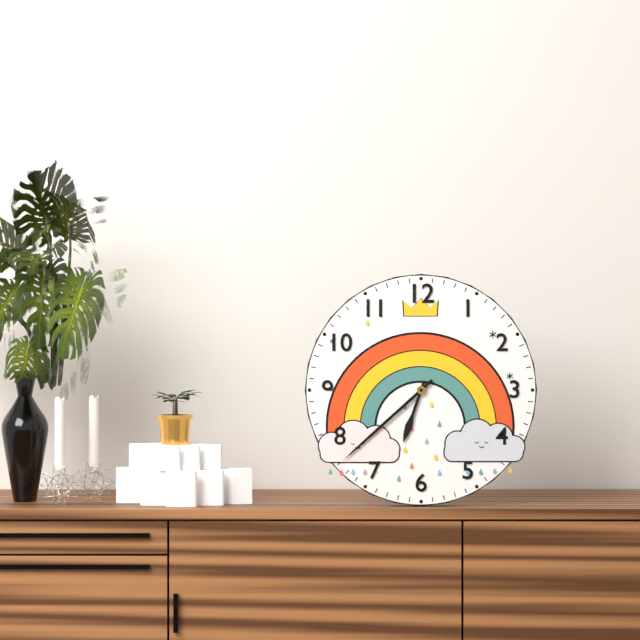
6.38
